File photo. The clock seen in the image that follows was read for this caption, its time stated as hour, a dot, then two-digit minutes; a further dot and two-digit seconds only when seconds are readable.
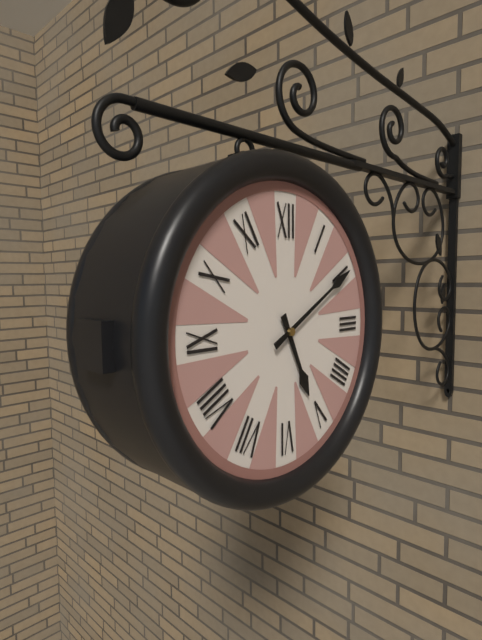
5.10
